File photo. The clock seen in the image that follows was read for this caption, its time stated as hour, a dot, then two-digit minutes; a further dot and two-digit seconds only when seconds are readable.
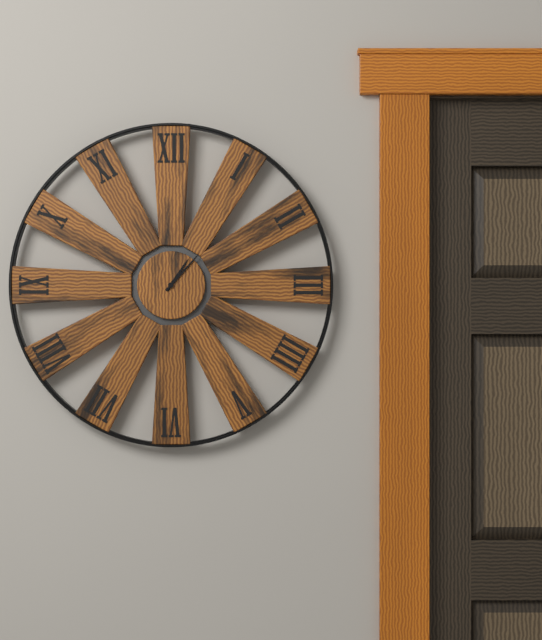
1.07
